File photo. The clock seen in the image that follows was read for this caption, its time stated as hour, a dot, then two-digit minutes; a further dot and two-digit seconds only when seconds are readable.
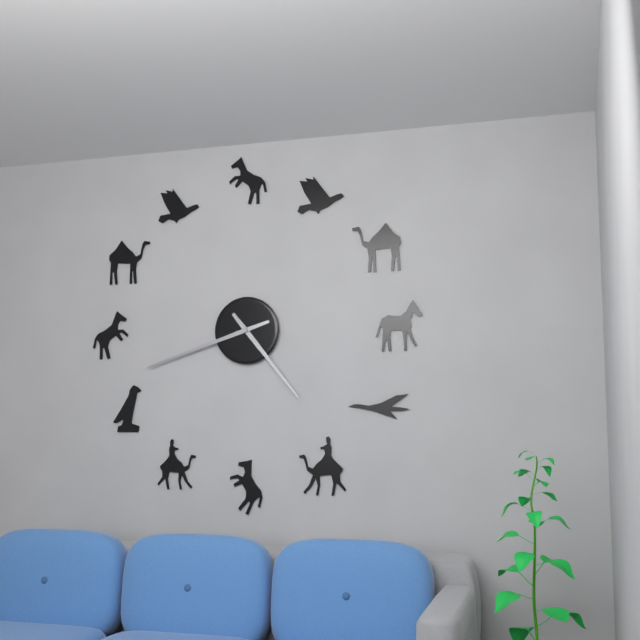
4.42
